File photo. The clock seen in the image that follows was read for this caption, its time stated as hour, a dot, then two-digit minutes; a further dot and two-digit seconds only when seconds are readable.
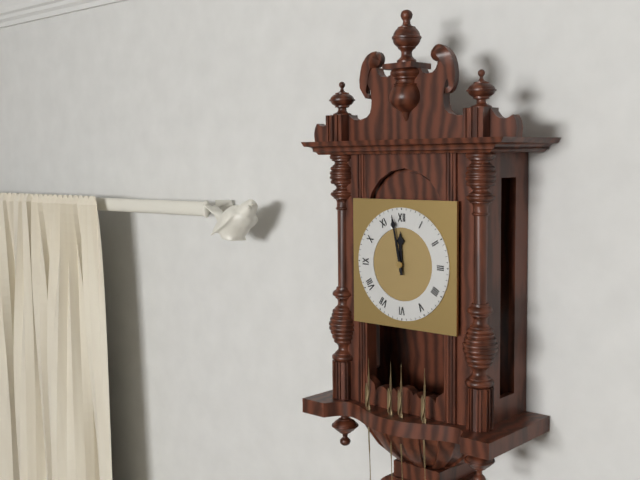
11.58
